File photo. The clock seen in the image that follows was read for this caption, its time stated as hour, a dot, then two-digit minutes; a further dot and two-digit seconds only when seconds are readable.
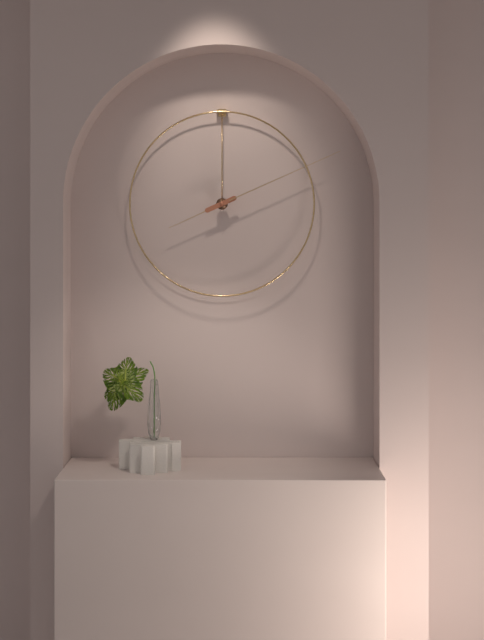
8.11
